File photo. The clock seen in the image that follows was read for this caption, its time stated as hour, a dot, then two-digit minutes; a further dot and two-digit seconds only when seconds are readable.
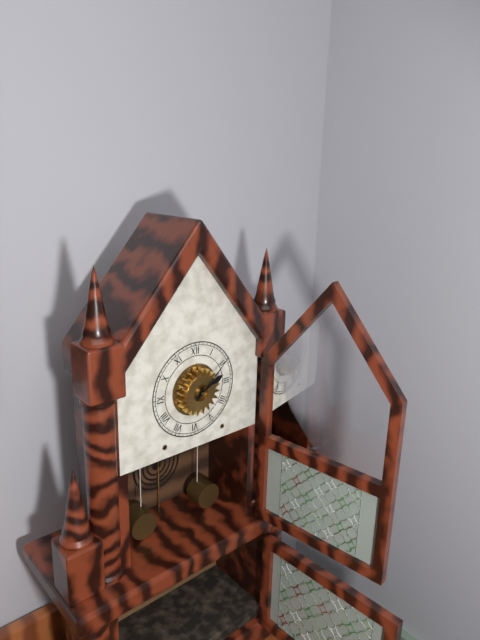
2.08
